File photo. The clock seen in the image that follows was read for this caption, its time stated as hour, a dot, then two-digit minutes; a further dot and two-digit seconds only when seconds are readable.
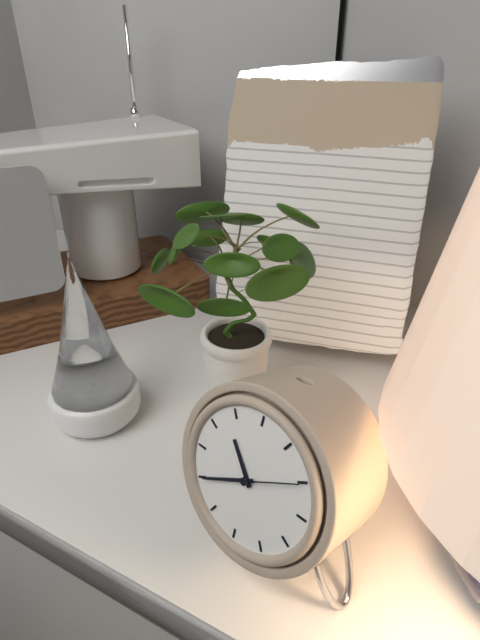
10.40.10
